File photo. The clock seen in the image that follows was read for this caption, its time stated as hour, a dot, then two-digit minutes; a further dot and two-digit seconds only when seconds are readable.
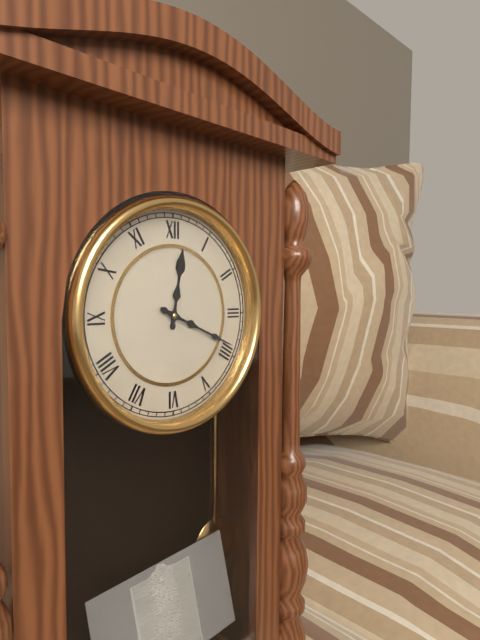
12.19
